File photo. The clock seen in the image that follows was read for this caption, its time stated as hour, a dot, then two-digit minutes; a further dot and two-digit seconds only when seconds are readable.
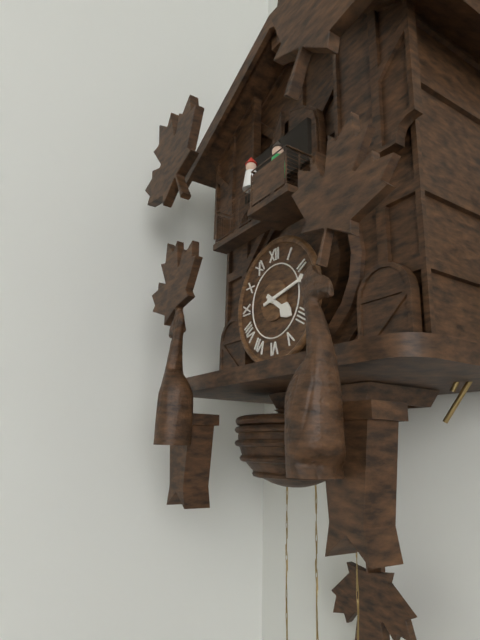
4.13
